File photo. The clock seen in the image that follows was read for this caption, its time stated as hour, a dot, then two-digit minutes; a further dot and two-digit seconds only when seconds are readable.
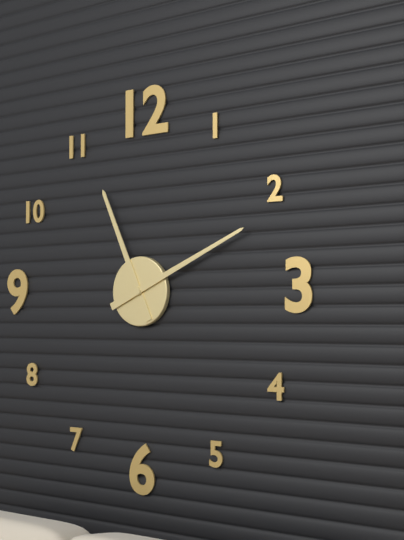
11.11
